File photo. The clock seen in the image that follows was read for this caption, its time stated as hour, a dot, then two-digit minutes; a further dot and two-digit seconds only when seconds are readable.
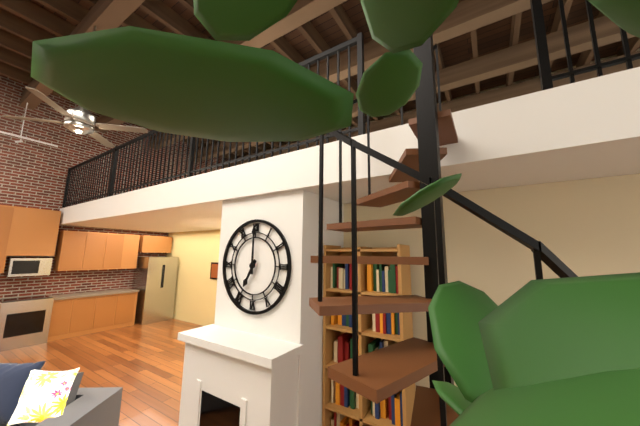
7.00
